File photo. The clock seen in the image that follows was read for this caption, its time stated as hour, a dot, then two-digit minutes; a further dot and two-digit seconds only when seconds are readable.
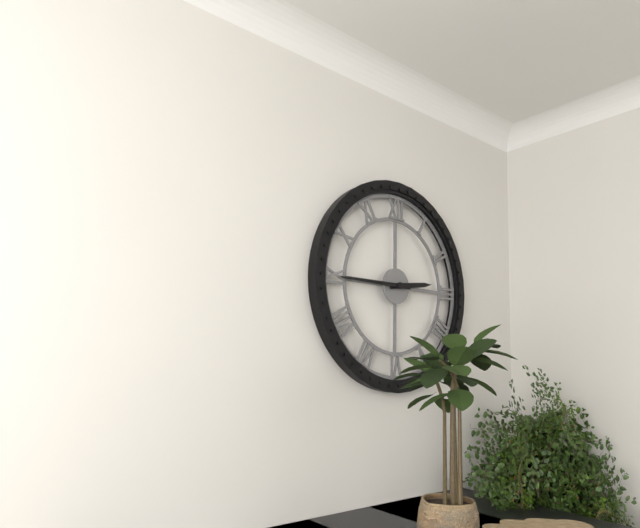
2.45
